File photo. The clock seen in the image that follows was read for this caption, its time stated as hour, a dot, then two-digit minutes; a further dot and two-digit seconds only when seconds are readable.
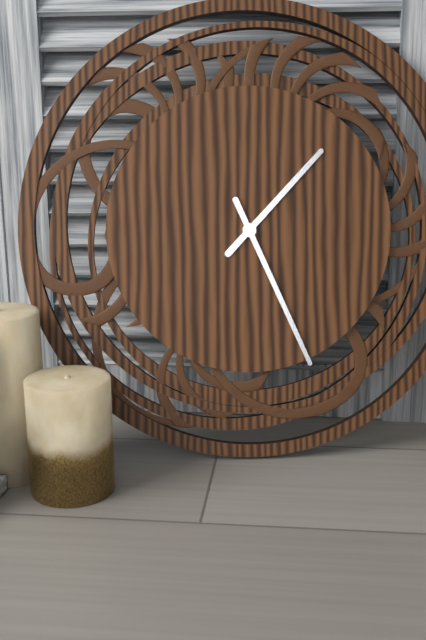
1.26
